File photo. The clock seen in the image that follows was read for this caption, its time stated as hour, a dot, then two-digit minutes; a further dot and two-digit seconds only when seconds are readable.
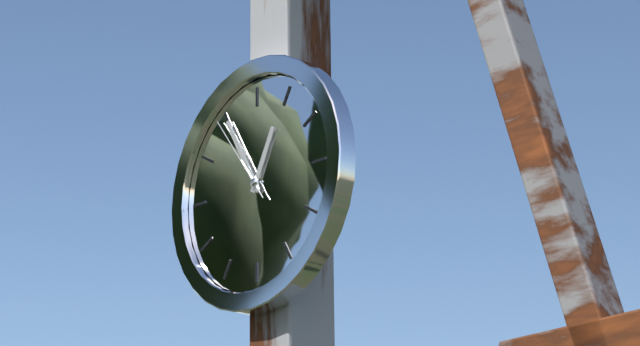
12.55.54
